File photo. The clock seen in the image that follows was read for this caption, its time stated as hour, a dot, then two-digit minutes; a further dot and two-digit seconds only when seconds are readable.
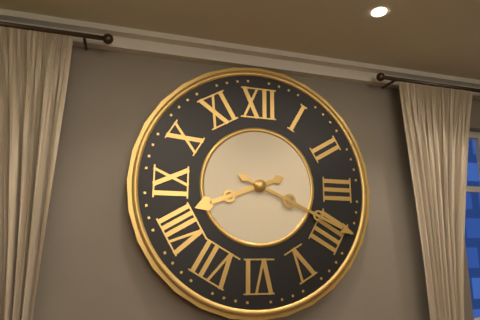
8.19
